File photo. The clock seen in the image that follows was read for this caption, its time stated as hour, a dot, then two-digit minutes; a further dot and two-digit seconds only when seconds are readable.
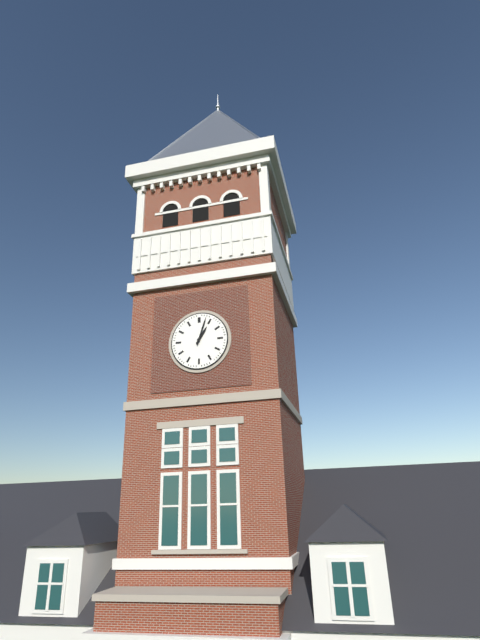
1.03
